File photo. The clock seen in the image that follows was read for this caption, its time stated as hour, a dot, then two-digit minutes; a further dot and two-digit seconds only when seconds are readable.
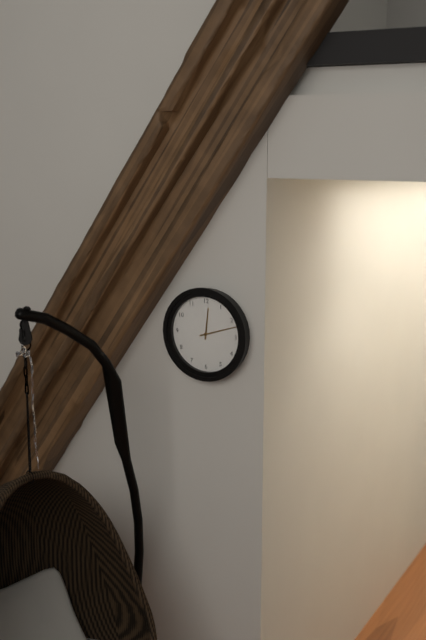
12.12
